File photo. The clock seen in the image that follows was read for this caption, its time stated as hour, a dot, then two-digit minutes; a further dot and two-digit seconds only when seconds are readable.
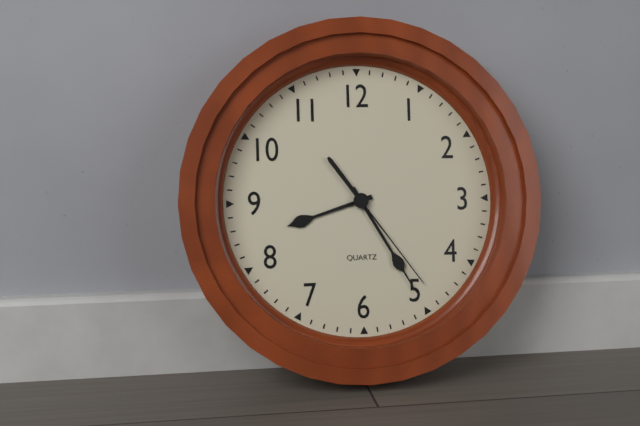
8.25.24
